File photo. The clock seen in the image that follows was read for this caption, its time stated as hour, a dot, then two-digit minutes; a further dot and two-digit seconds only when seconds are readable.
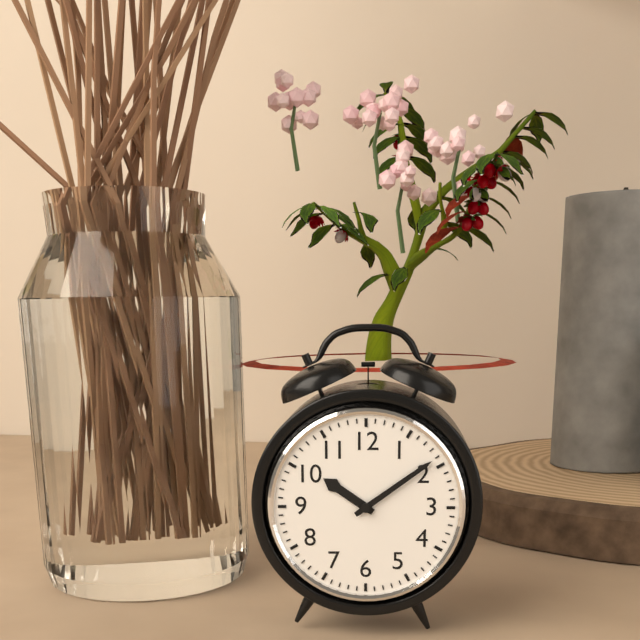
10.09
